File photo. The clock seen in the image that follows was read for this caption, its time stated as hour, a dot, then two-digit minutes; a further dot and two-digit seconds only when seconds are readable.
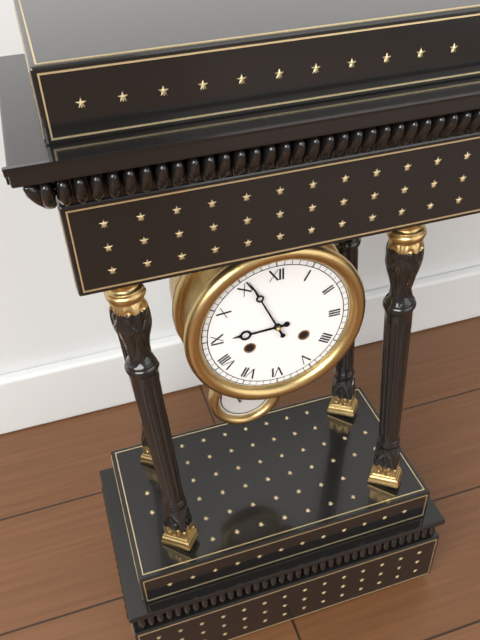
8.56
